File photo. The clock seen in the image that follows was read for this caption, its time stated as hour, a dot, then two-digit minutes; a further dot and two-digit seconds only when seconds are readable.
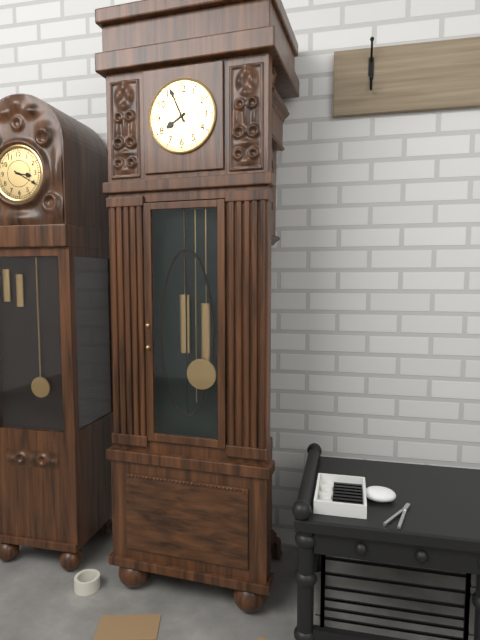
7.56
